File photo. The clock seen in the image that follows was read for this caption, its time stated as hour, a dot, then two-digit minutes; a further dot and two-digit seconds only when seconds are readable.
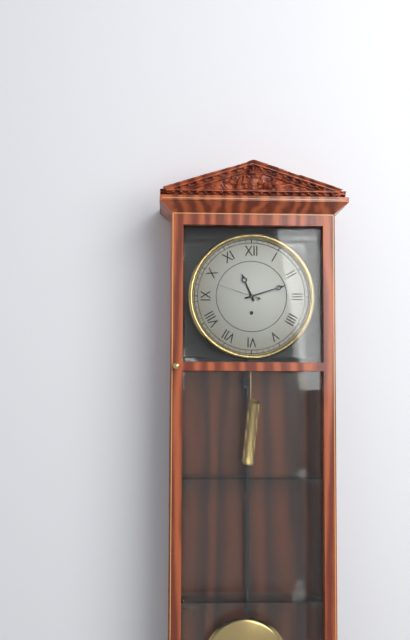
11.12
